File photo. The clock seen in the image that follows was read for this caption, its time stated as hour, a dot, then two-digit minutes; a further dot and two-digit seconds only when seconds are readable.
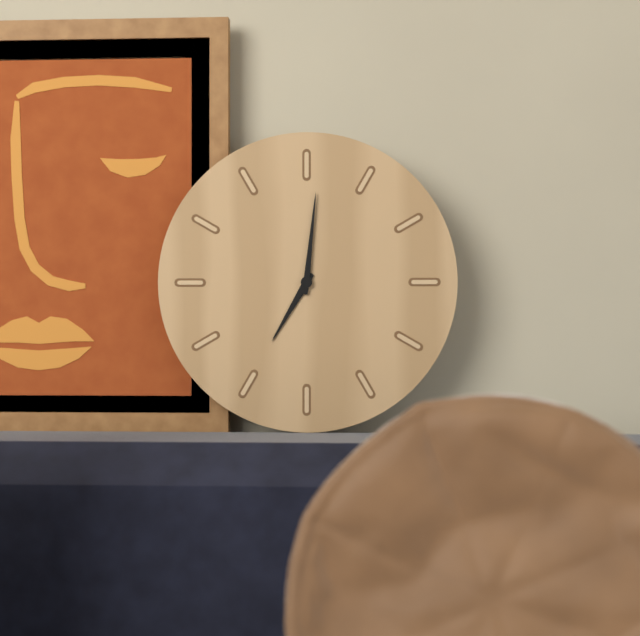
7.01
